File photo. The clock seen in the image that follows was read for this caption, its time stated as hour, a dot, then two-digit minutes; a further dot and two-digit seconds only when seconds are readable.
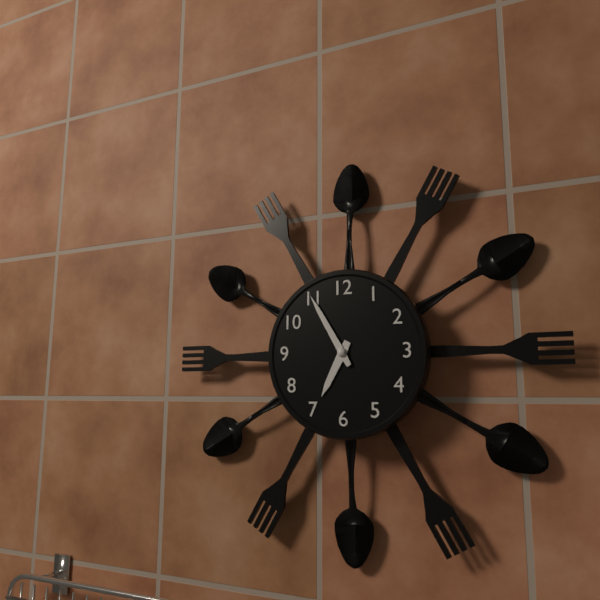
6.55
